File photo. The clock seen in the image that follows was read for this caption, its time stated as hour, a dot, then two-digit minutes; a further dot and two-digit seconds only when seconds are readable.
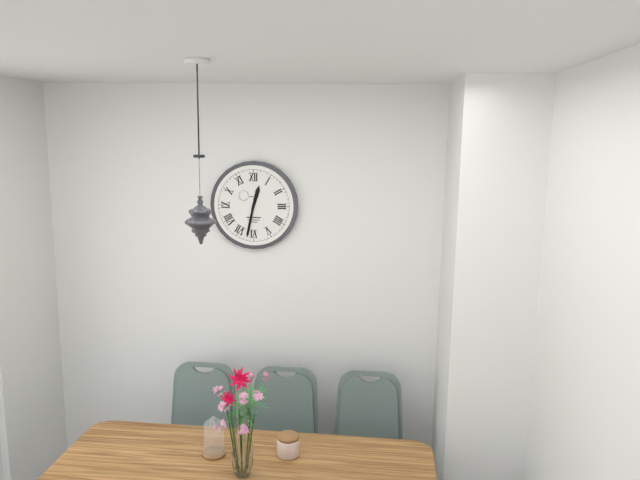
12.32
